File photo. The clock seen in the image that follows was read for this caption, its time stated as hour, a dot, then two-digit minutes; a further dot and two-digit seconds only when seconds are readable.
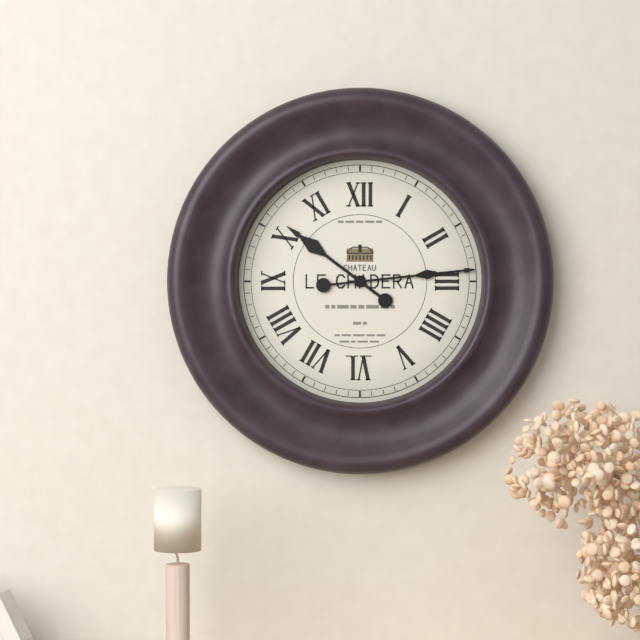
10.14
